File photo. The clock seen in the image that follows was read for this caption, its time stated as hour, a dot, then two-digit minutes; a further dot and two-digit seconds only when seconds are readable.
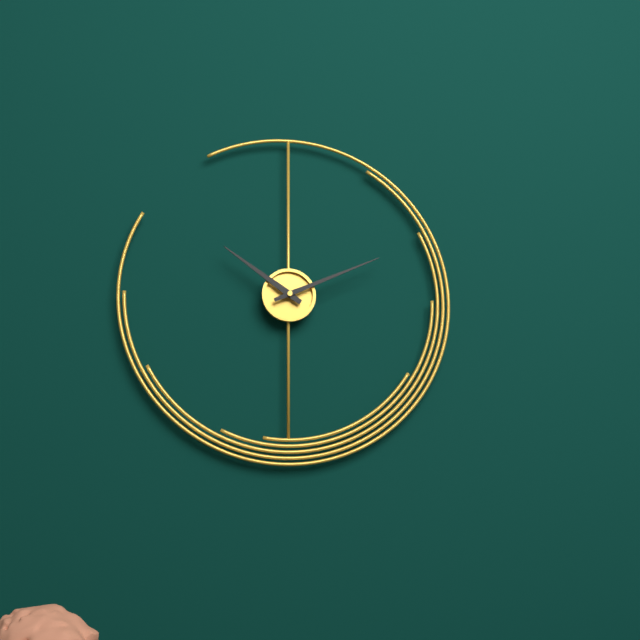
10.11
